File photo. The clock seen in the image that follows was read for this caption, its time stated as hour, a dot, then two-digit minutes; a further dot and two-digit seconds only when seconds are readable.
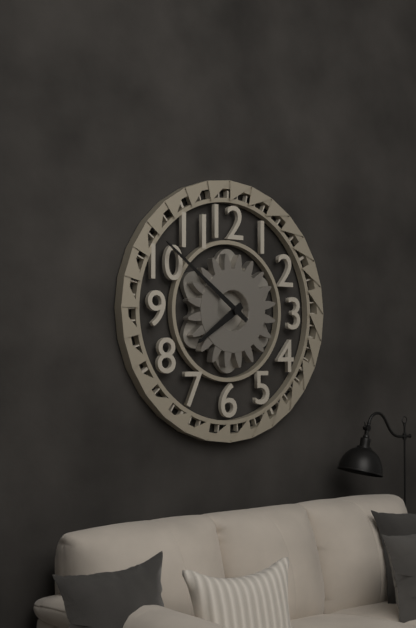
7.51
